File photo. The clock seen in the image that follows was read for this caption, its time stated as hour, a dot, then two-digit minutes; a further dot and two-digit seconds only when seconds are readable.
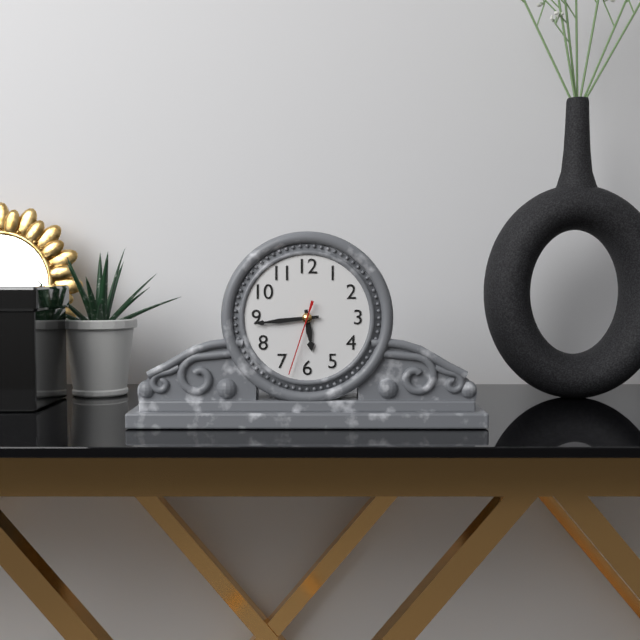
5.44.33
